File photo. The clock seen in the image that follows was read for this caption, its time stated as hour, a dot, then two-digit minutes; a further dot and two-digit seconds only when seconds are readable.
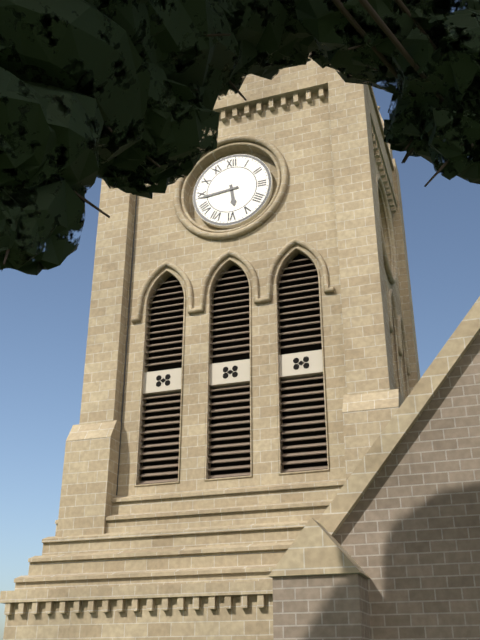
5.44
